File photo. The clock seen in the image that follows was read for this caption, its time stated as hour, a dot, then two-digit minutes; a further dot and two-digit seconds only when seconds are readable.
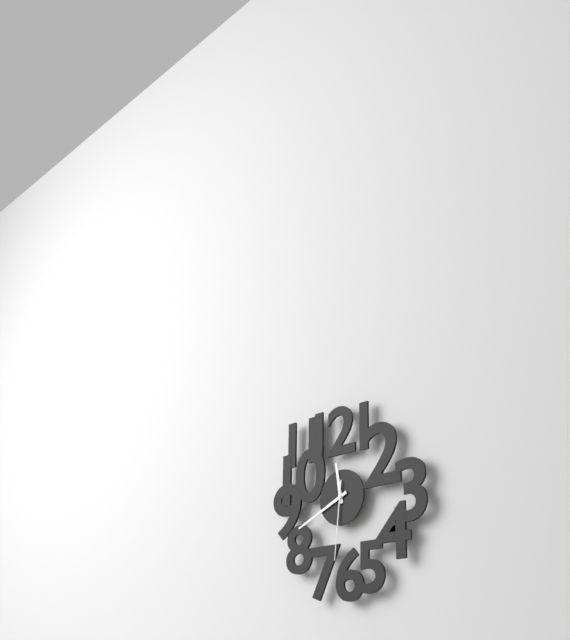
11.41.31
